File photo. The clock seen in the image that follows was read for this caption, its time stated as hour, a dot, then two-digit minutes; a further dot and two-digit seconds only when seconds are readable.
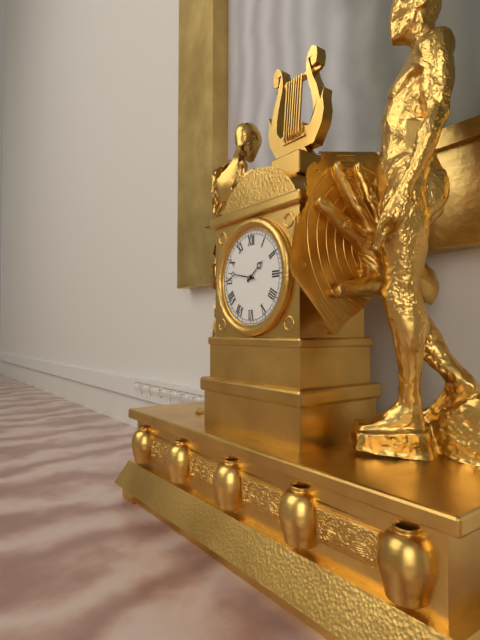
1.47
